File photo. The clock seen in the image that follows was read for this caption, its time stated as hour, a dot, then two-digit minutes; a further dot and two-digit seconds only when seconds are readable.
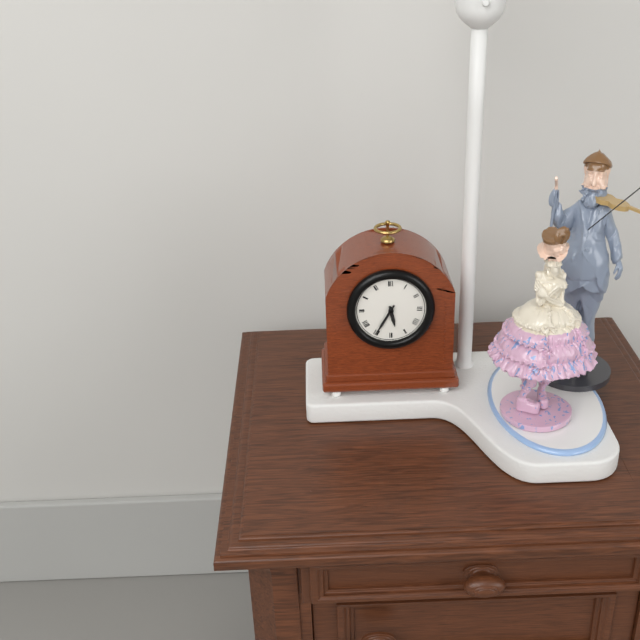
5.35
